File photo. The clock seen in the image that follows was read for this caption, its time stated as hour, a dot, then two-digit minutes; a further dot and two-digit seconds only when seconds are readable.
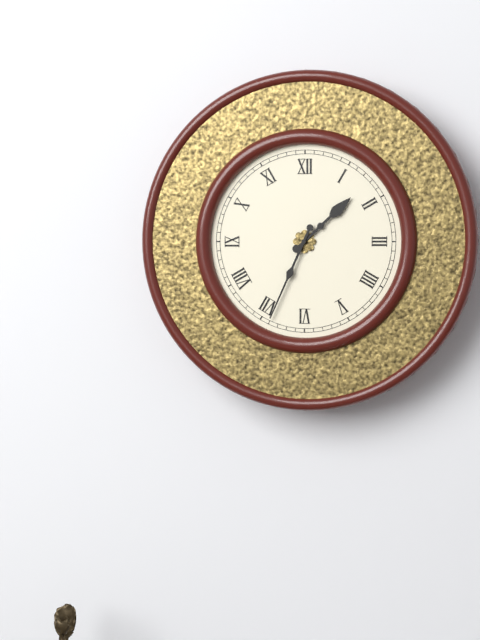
1.34
